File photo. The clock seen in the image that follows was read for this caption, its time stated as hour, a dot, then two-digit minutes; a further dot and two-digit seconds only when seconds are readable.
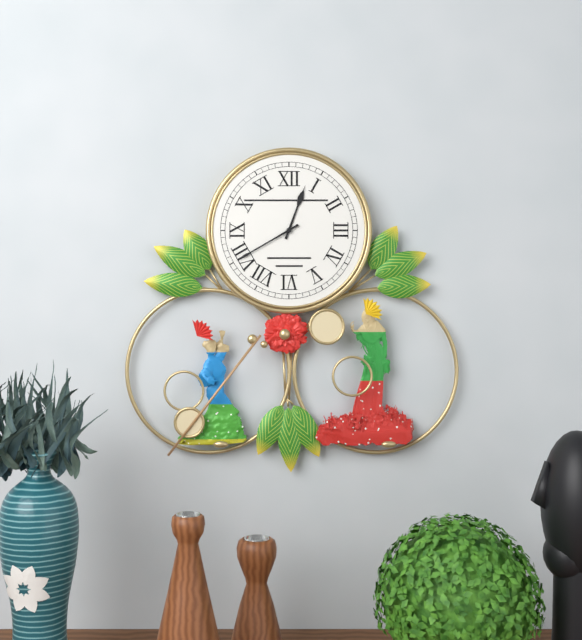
12.40
